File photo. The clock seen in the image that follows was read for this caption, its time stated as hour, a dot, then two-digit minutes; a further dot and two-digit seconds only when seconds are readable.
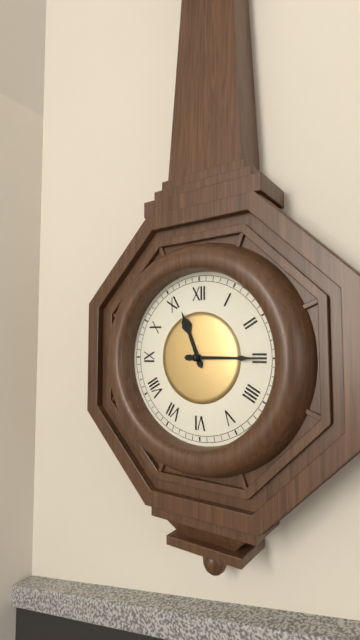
11.15
